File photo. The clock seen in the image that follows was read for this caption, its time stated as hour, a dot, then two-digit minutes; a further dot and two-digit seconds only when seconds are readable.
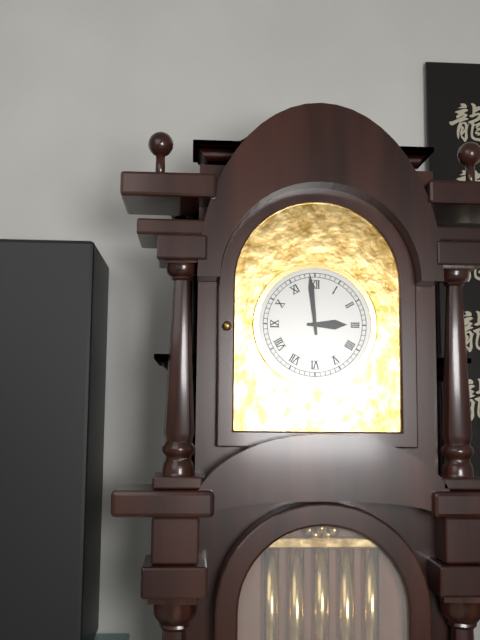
2.59
